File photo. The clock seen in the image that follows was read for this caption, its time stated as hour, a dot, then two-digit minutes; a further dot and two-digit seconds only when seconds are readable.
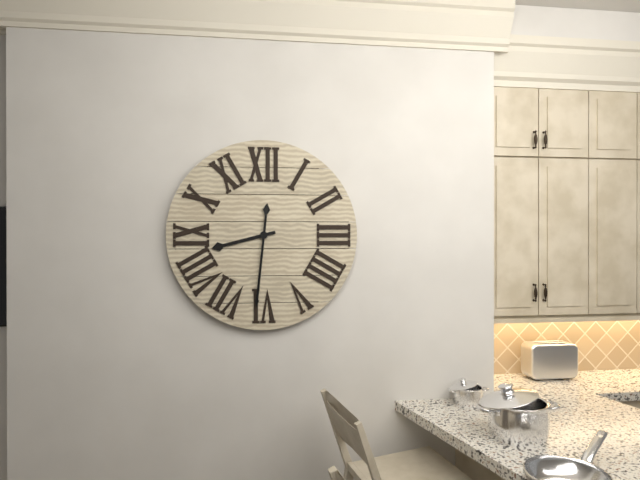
8.31
